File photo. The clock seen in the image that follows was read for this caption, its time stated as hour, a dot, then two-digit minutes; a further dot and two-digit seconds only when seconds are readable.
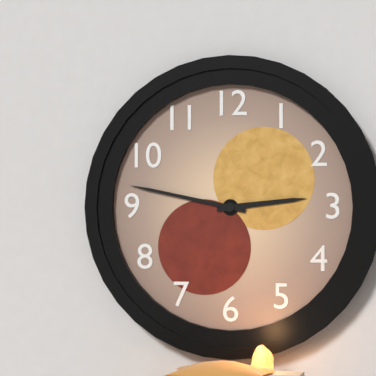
2.47
